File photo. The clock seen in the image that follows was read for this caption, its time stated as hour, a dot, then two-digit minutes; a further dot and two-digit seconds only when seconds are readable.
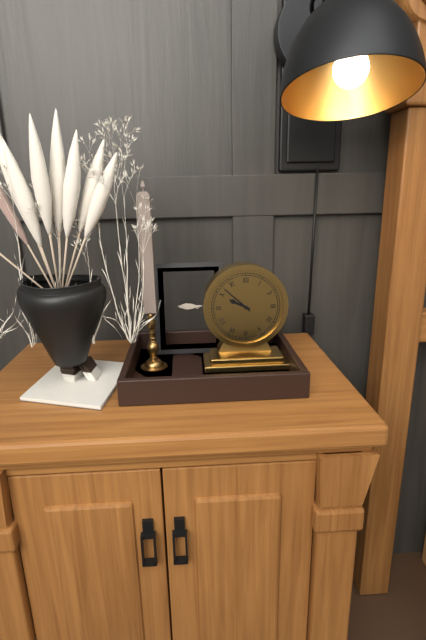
9.52
